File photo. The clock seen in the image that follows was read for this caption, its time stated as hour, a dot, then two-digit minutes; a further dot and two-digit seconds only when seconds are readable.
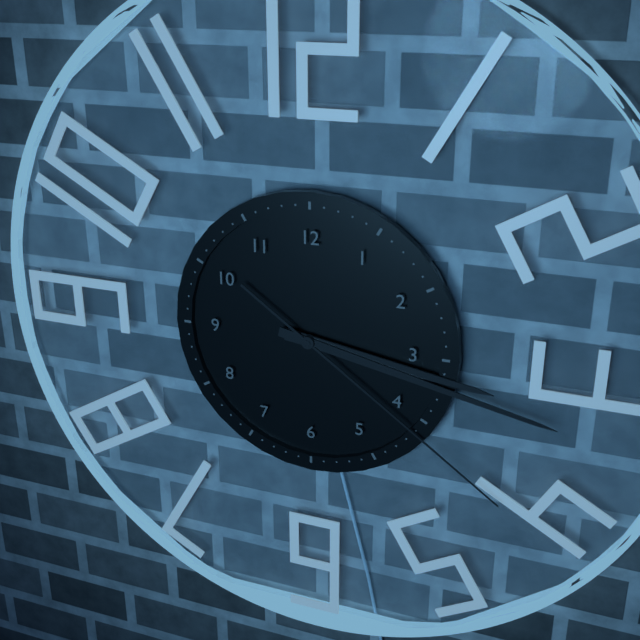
3.17.21
